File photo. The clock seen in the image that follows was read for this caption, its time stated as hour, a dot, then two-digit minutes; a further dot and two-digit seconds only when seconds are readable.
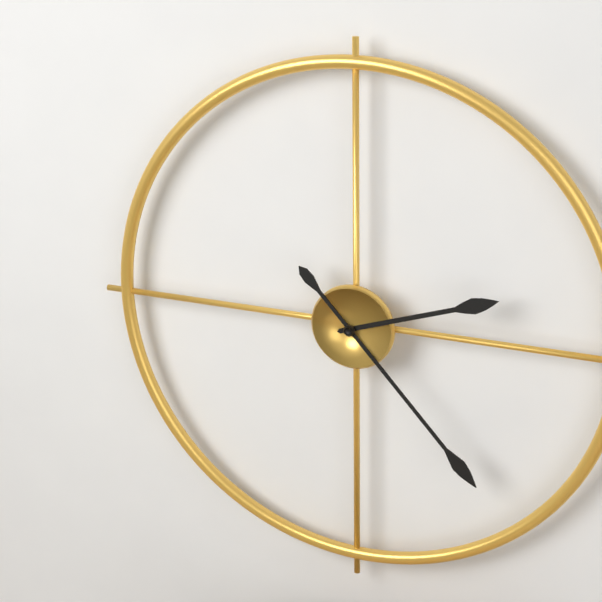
2.23
